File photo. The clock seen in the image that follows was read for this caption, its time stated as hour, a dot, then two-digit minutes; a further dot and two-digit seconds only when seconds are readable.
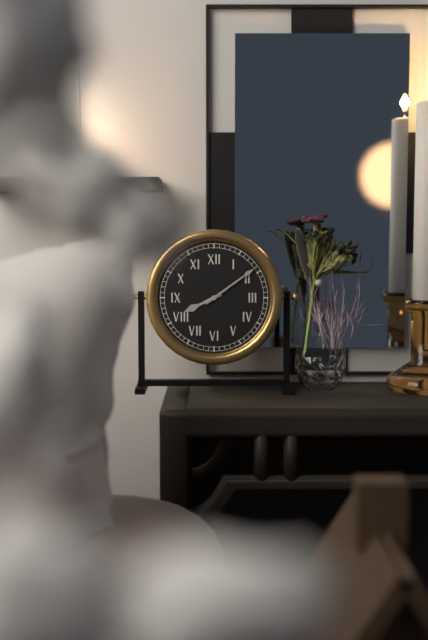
8.09
